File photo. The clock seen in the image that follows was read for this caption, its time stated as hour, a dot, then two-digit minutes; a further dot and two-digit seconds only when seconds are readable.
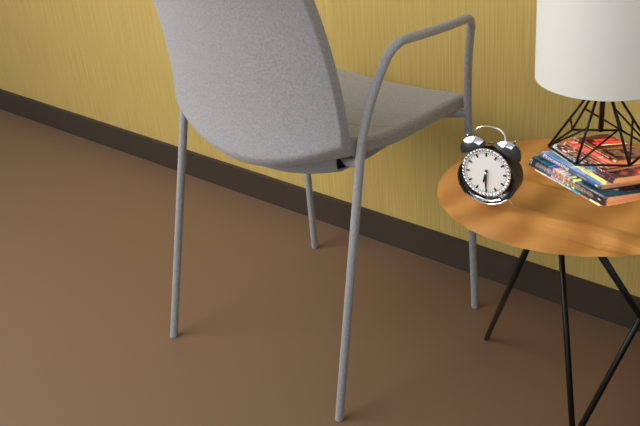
6.30
